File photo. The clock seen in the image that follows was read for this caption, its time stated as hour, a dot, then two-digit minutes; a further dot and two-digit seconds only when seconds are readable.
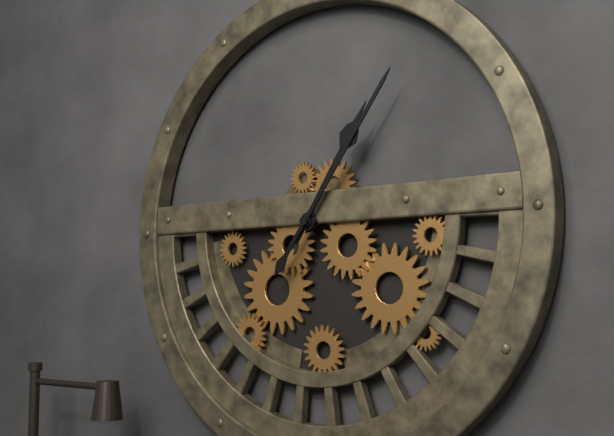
1.06
